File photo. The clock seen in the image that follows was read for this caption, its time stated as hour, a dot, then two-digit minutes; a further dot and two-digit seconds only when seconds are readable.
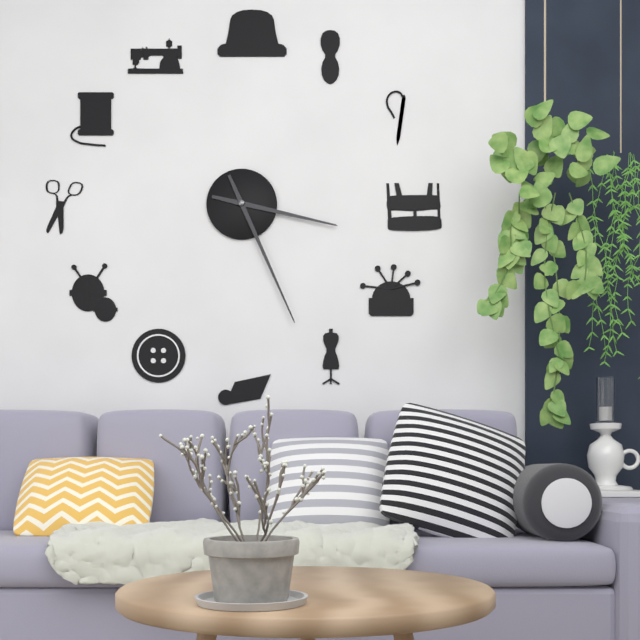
3.26
